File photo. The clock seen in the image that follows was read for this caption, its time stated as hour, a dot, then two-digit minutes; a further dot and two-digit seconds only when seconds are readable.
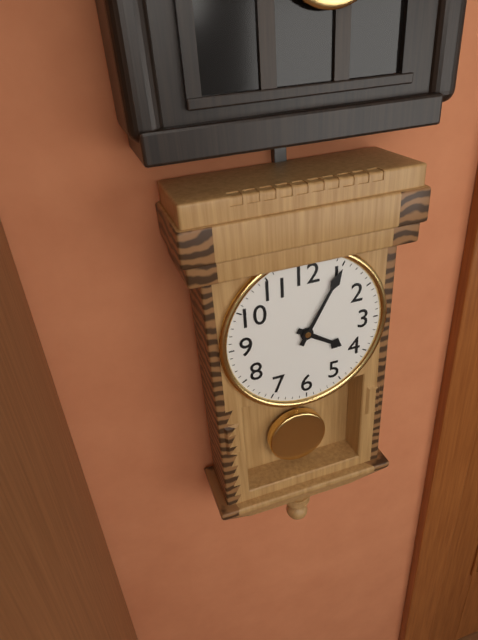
4.05
